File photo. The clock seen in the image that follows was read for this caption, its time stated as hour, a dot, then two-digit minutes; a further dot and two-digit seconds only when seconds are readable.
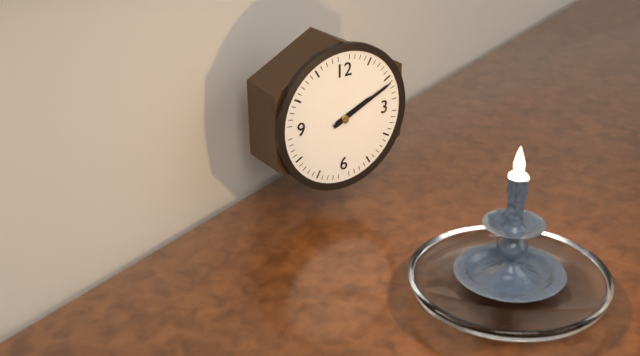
2.11
